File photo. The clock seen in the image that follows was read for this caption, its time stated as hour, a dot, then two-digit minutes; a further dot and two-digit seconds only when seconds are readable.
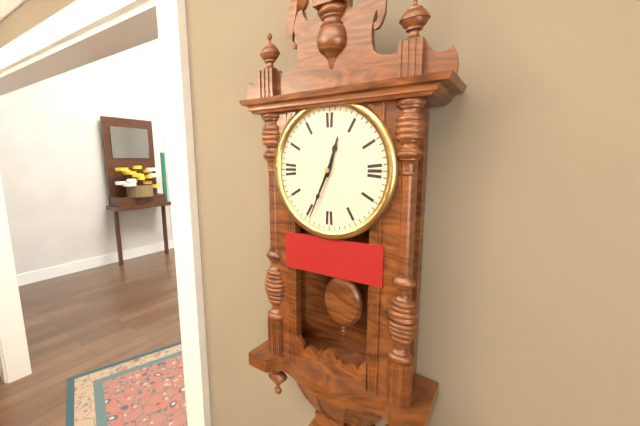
12.34
